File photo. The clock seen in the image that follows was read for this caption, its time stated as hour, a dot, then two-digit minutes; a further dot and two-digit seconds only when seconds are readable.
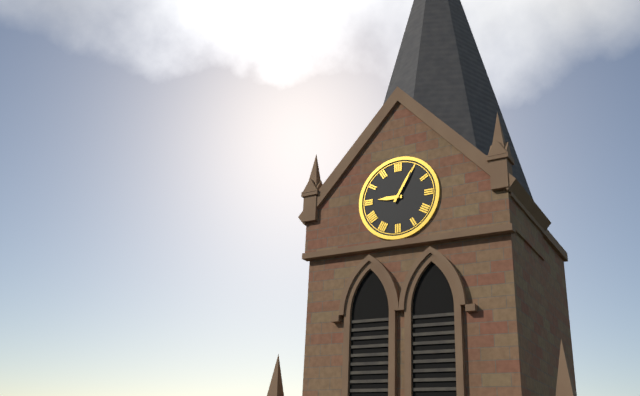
9.05
